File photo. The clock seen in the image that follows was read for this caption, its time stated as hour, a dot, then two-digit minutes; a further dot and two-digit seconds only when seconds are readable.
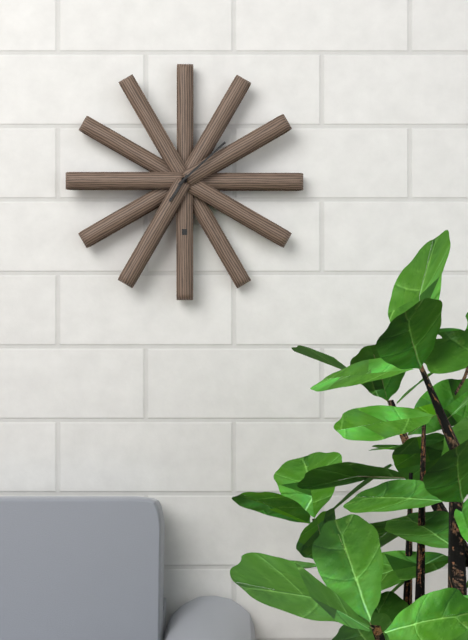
7.08
